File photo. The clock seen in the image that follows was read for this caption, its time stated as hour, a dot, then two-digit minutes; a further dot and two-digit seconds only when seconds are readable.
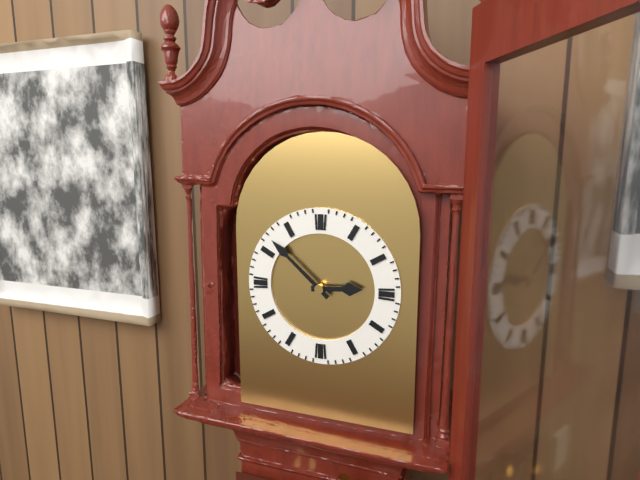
2.52
